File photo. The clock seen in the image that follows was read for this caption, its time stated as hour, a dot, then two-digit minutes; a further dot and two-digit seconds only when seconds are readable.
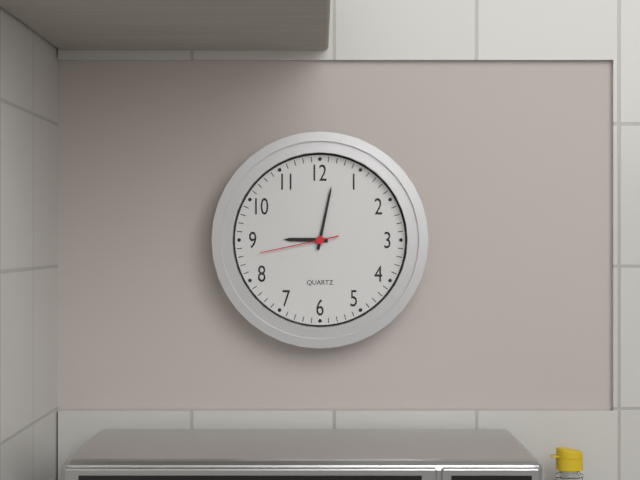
9.02.43
